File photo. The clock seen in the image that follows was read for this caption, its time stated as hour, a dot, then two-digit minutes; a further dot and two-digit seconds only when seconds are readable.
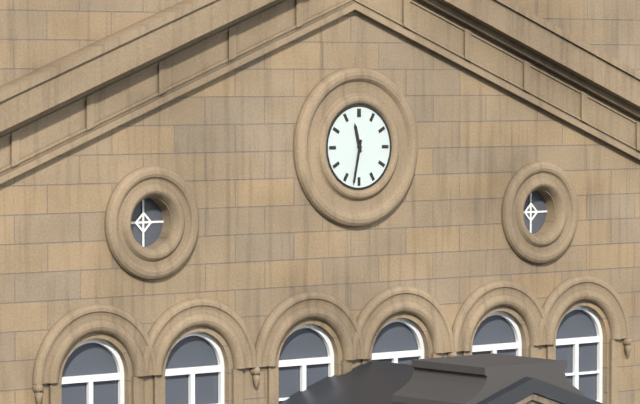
11.32
